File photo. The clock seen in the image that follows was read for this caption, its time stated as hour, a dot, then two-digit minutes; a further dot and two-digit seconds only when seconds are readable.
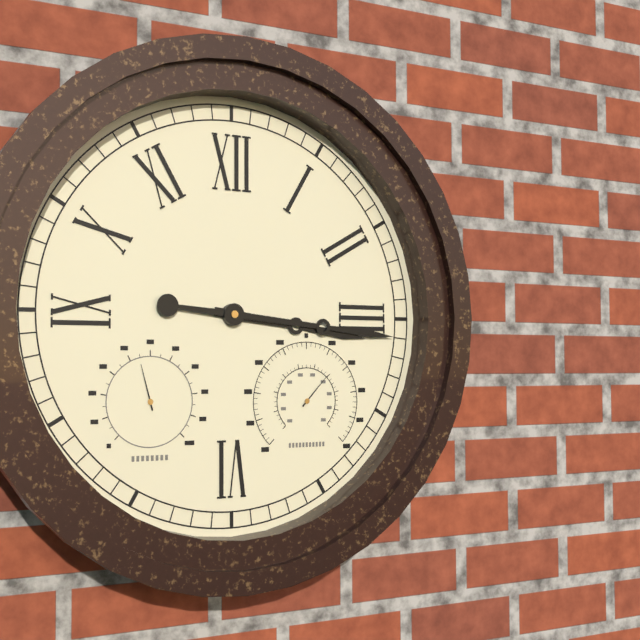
3.16
